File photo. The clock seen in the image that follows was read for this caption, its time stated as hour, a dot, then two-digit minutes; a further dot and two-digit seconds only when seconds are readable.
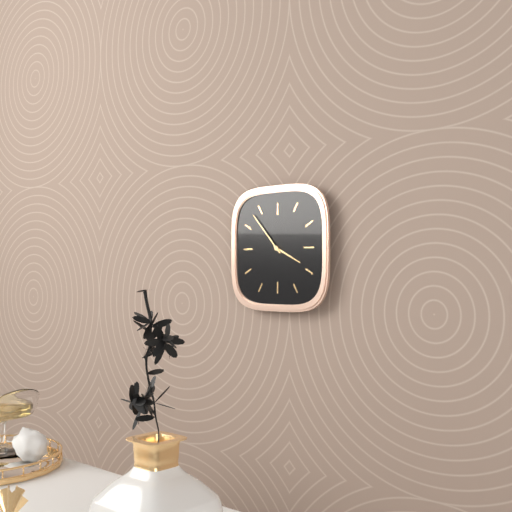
3.53
